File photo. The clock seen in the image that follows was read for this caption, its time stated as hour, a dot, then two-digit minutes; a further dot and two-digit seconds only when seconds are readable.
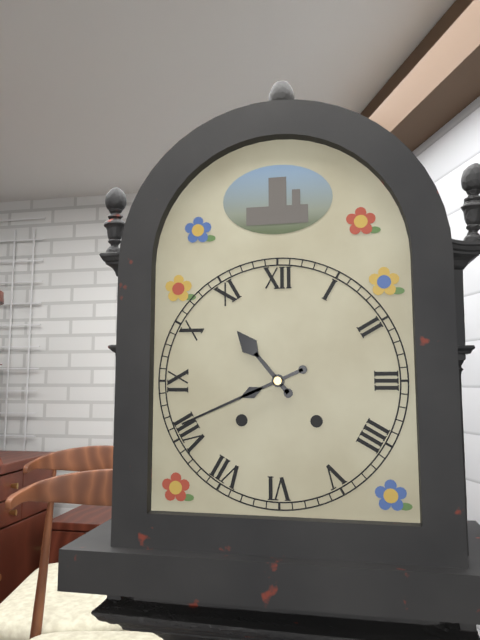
10.41
